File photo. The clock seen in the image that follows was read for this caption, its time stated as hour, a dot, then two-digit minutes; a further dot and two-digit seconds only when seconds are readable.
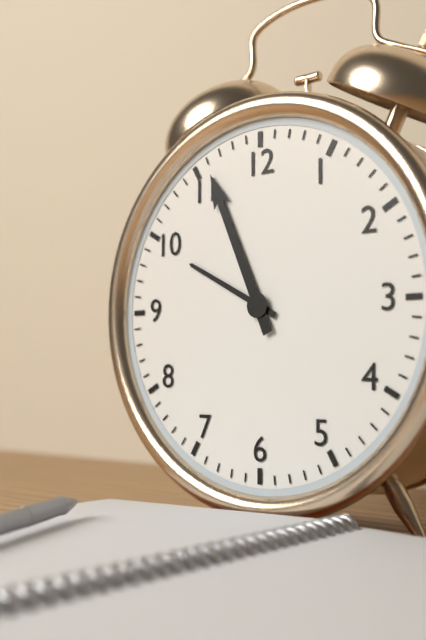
9.56
